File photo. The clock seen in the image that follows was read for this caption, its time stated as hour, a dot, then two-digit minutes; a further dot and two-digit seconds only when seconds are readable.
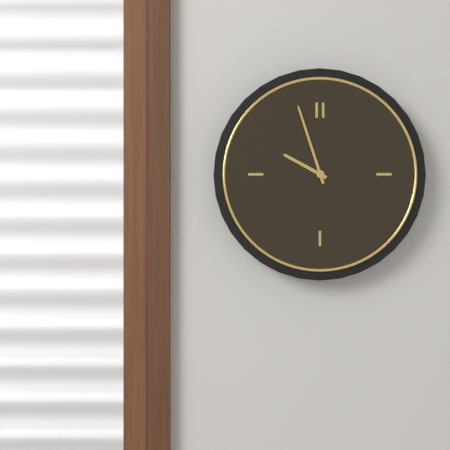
9.57
